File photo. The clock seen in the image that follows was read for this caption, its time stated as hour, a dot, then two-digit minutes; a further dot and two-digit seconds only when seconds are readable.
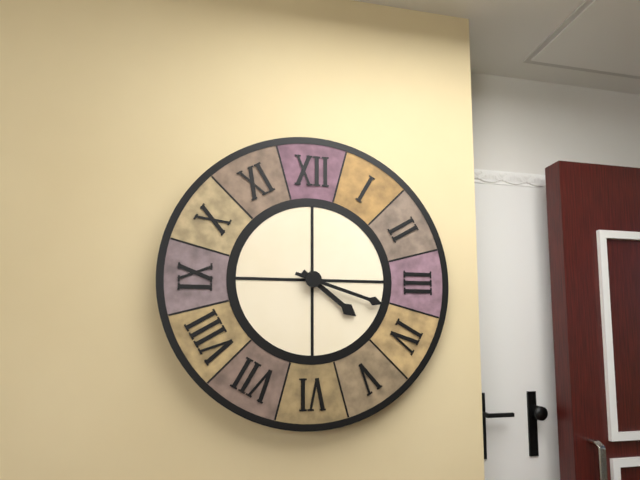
4.18
